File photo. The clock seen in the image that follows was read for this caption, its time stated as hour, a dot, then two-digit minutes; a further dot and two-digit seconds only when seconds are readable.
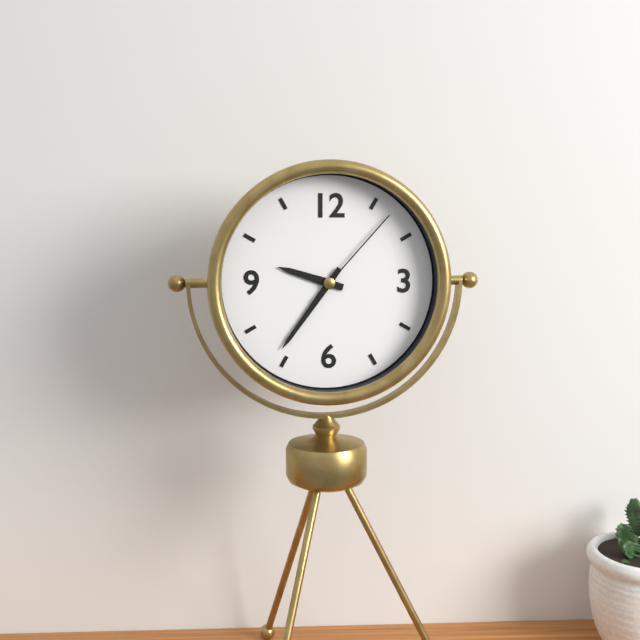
9.36.07
